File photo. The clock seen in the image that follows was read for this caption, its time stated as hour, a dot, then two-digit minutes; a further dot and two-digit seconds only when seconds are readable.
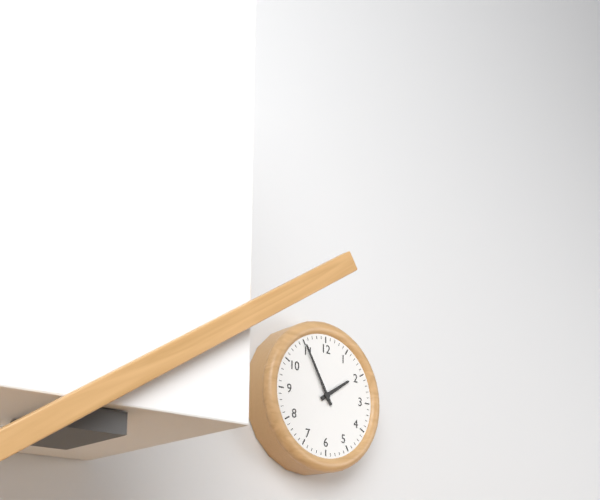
1.55
